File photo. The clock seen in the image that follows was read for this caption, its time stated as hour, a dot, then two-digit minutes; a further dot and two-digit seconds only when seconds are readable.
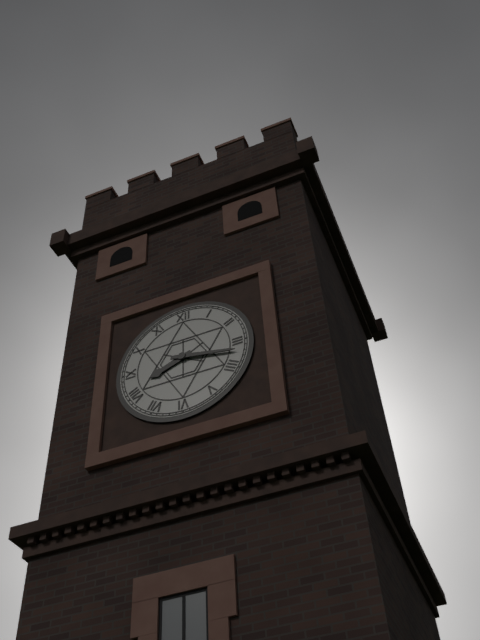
8.17
